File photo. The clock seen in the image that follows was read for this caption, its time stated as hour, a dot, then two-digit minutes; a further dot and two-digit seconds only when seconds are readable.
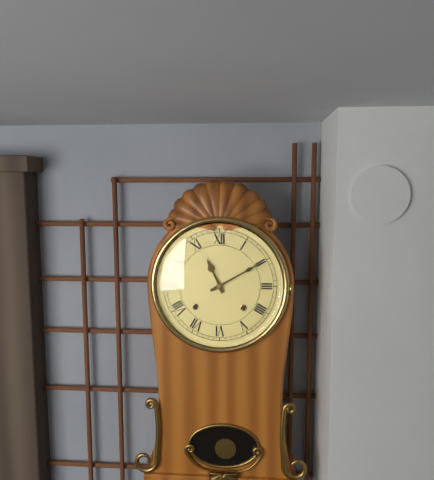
11.10
